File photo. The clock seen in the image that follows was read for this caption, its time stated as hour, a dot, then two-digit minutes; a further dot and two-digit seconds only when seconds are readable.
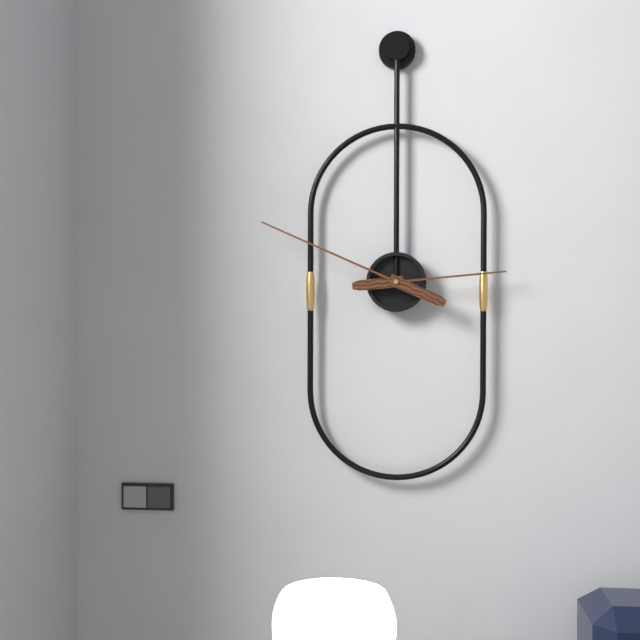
2.49
